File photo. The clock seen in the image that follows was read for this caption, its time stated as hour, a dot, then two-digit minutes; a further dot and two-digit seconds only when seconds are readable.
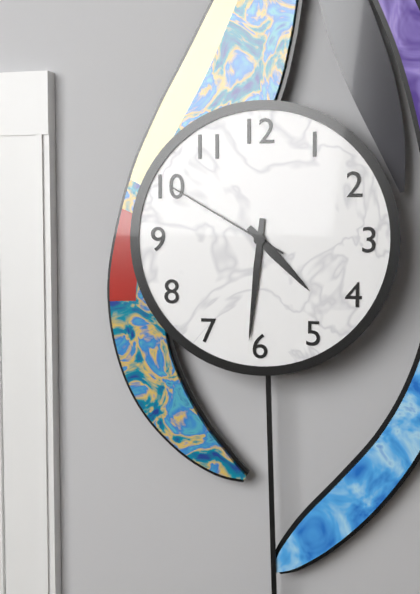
4.31.50
